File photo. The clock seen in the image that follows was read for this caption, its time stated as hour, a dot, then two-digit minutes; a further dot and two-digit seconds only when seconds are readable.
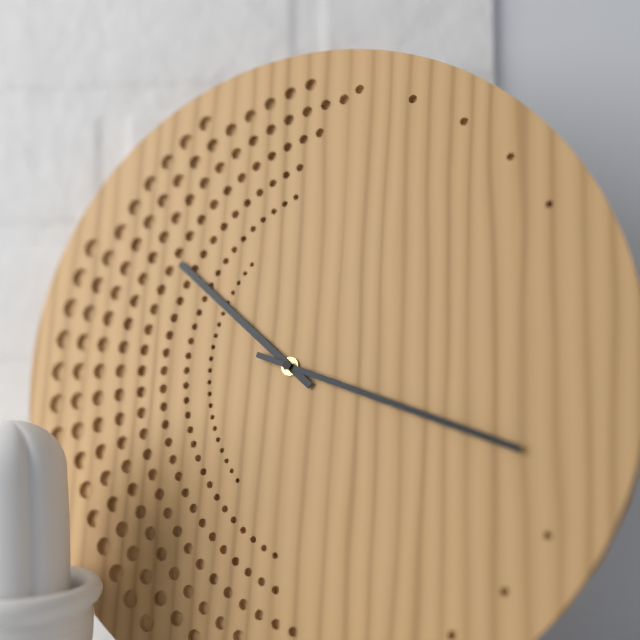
10.18
